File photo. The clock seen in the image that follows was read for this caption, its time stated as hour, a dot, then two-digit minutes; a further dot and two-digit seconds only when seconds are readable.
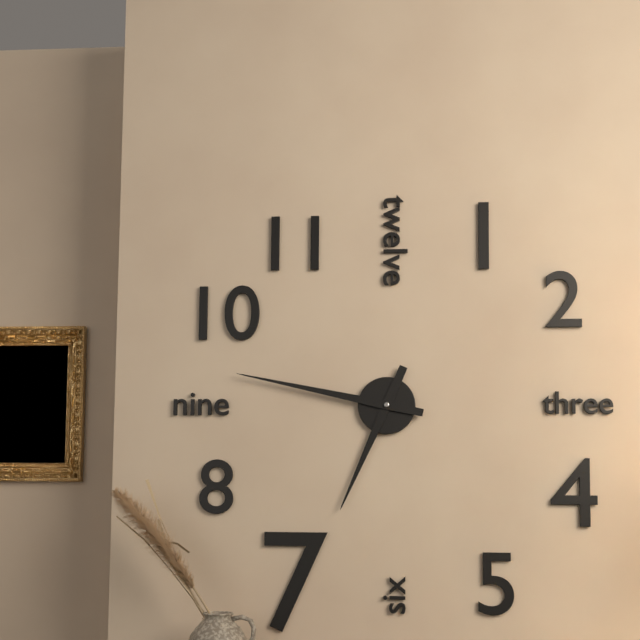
6.47
